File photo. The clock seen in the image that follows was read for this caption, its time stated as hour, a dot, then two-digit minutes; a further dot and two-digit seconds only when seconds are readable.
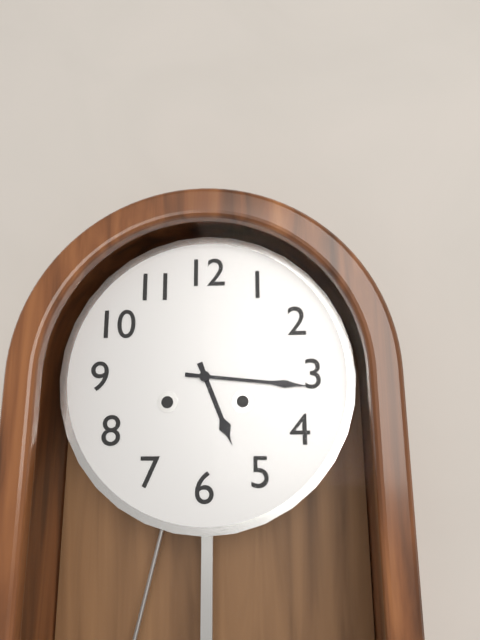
5.16
